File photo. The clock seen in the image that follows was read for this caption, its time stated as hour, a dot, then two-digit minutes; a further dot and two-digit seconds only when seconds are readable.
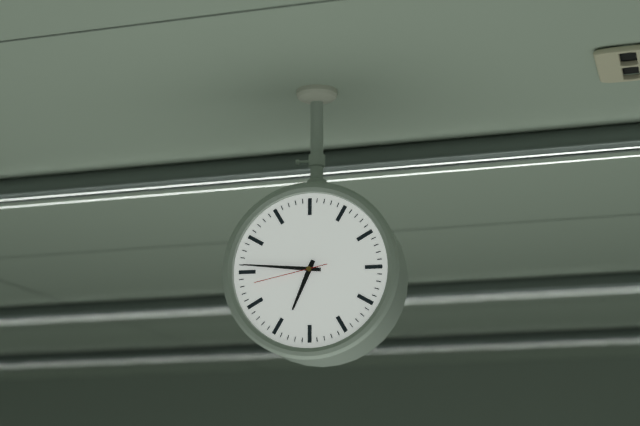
6.46.43
